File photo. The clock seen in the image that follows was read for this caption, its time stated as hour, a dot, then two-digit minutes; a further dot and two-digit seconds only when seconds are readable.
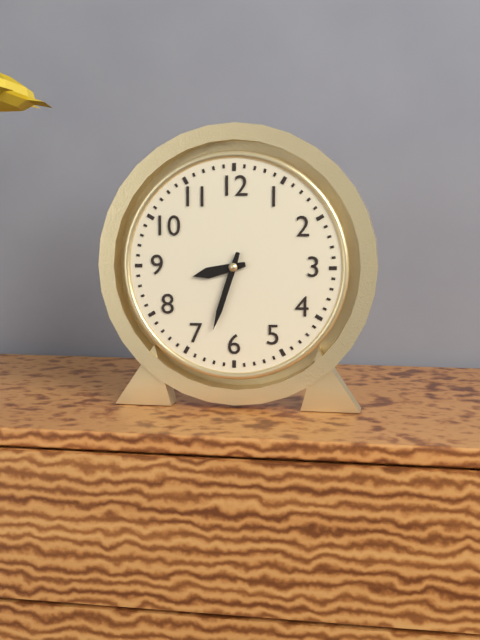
8.33
